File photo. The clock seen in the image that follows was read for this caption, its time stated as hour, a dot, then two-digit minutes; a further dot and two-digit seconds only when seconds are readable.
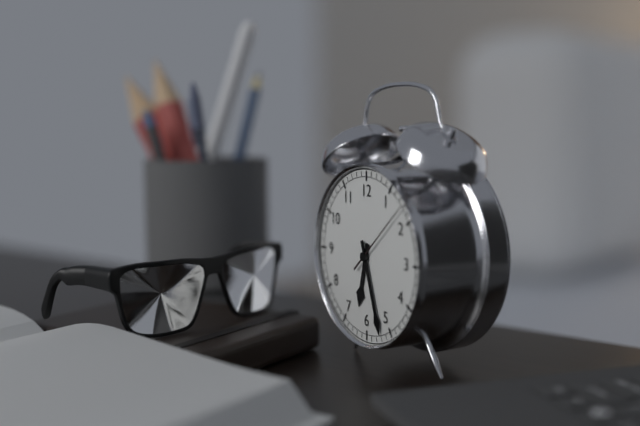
6.27.08
